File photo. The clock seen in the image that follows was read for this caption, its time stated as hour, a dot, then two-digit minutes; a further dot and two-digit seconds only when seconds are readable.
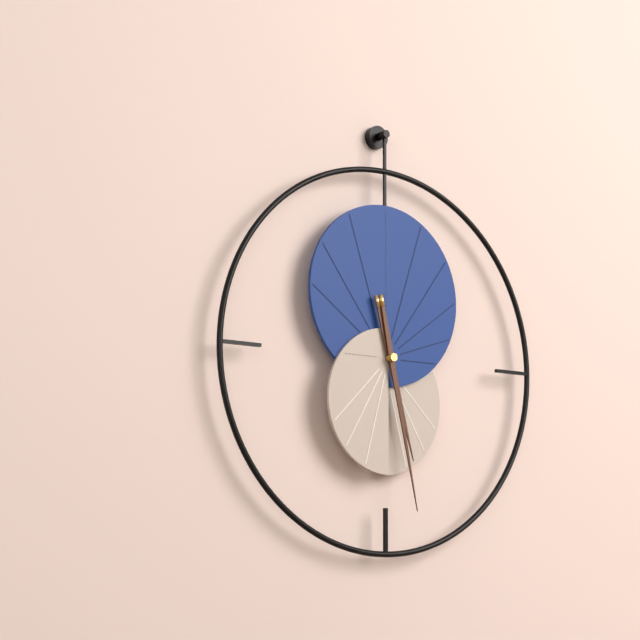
5.28
